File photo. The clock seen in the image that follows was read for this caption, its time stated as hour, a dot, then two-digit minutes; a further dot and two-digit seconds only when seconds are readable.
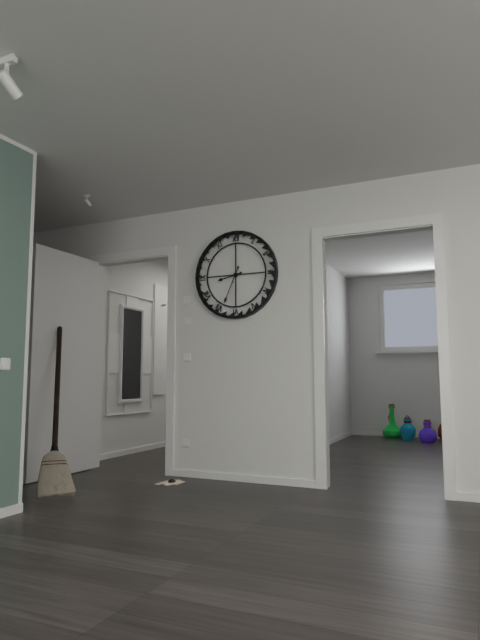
8.34
